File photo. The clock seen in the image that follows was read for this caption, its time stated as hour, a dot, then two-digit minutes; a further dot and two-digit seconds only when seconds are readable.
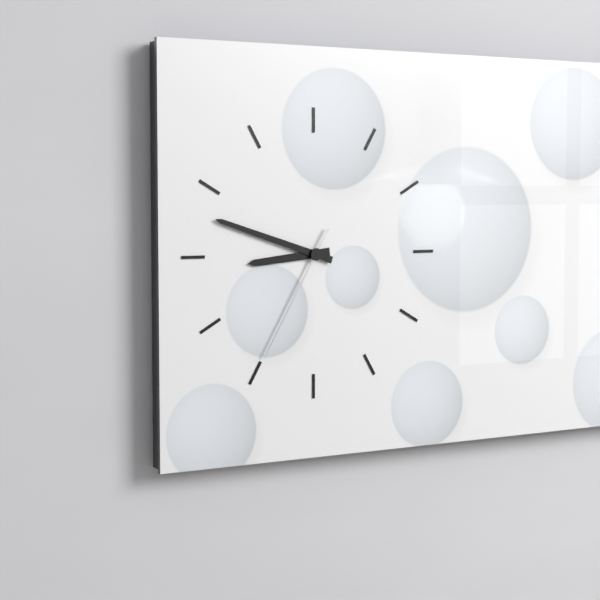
8.48.35
